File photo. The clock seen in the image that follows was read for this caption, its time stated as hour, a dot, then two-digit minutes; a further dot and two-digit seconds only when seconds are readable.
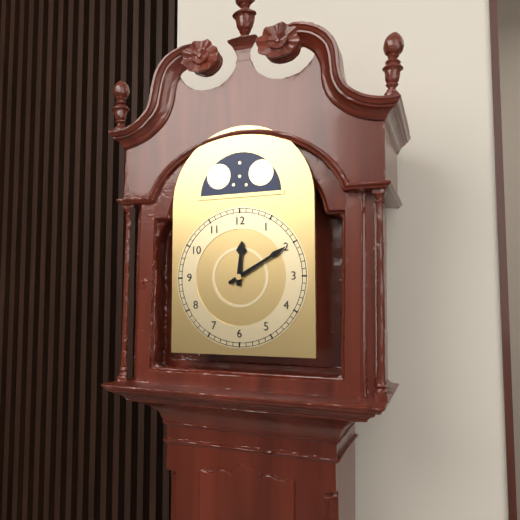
12.10
